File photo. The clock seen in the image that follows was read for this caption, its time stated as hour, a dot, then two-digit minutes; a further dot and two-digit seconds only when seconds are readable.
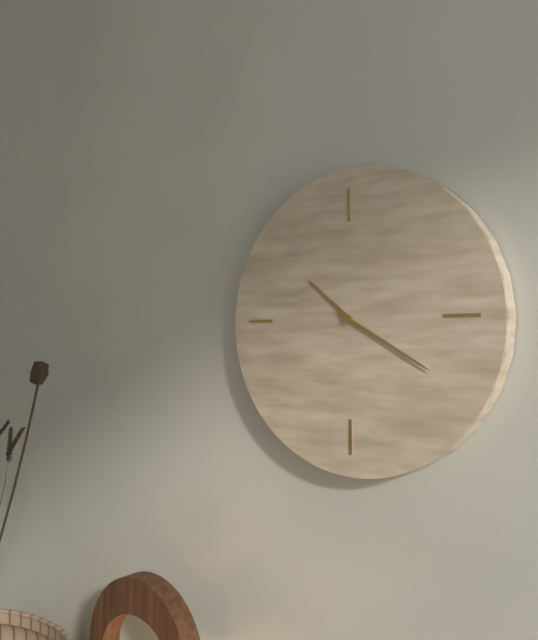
10.20
